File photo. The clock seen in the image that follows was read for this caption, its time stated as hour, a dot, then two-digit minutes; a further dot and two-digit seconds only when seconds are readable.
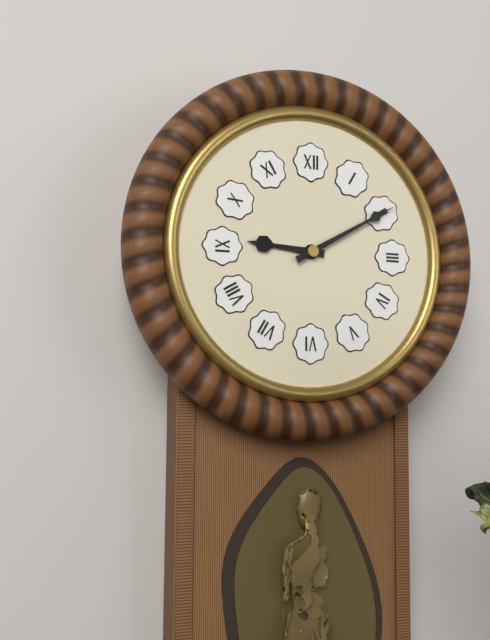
9.10
